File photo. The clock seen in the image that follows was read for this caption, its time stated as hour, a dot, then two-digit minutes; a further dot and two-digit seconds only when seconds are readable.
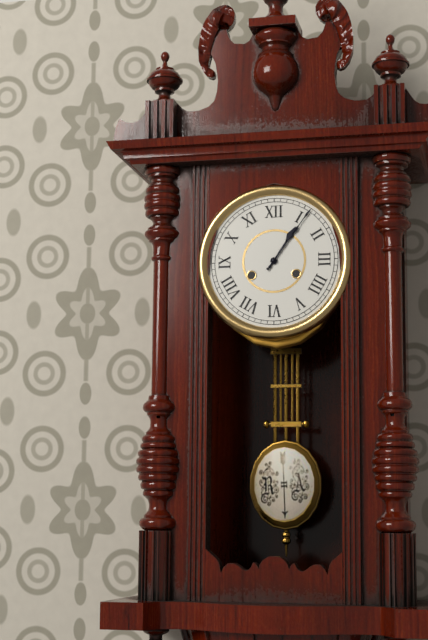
1.06
